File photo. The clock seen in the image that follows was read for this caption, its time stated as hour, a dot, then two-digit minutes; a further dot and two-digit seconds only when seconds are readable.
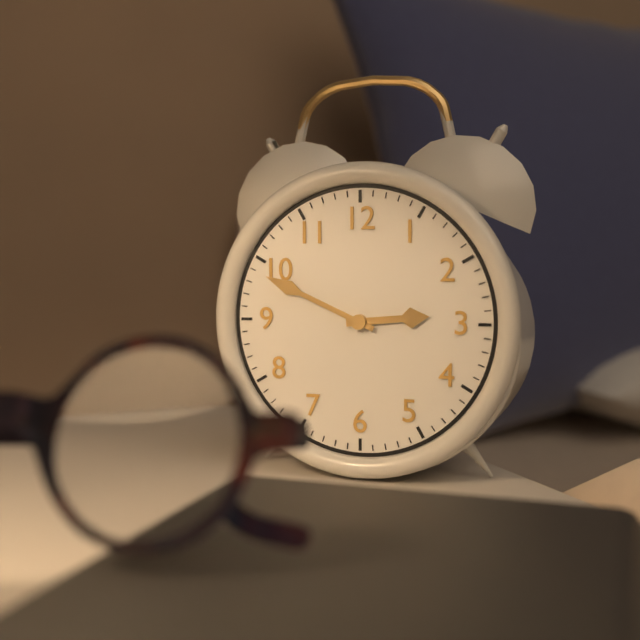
2.49
